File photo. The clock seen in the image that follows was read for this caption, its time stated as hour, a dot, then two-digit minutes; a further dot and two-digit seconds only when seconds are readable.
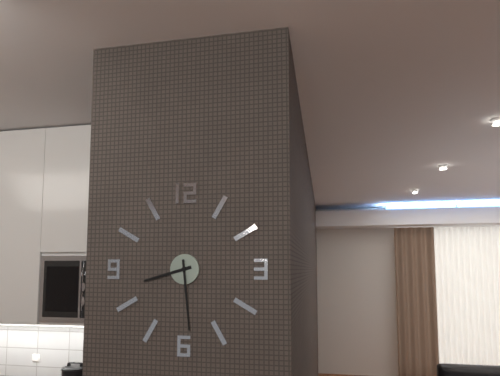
8.29
